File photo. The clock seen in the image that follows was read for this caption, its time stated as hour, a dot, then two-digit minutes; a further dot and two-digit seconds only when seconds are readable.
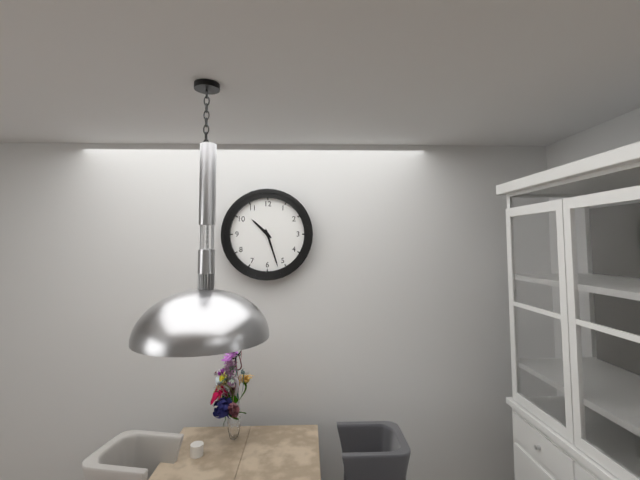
10.27
